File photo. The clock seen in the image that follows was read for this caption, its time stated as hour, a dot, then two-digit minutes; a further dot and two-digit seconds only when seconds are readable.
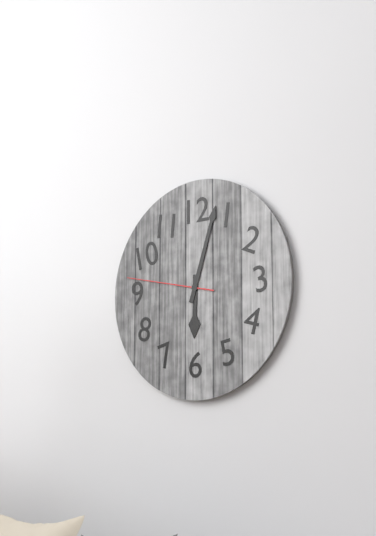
6.03.47
